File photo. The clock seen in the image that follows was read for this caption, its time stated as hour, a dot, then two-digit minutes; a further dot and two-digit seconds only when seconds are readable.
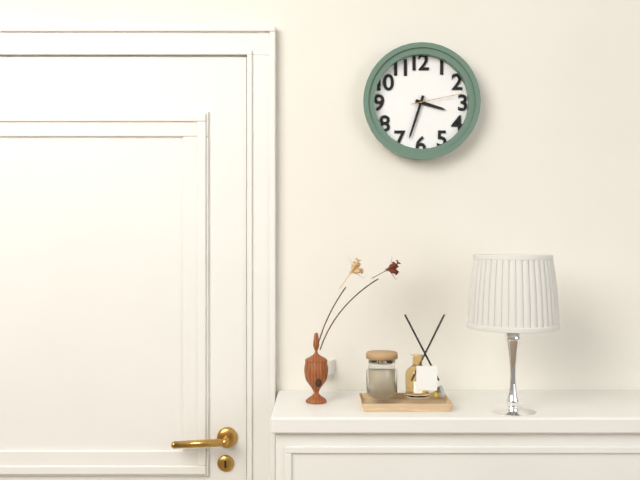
3.33.13
